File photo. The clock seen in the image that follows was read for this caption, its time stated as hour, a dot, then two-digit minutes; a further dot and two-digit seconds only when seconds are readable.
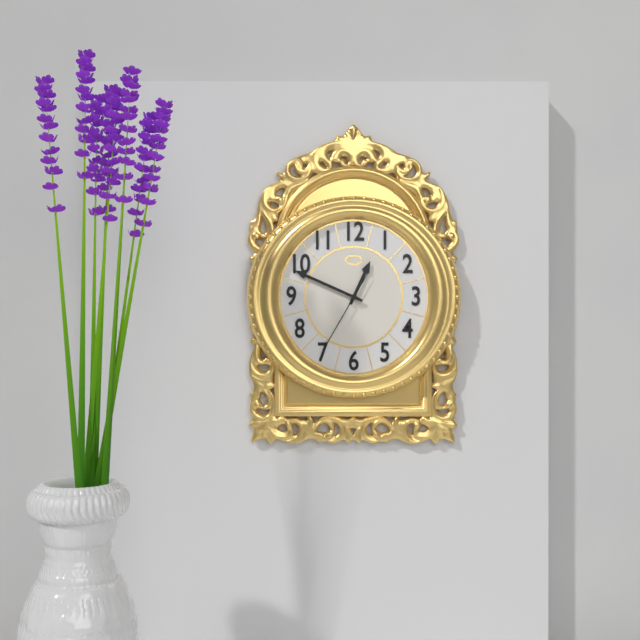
12.49.35
